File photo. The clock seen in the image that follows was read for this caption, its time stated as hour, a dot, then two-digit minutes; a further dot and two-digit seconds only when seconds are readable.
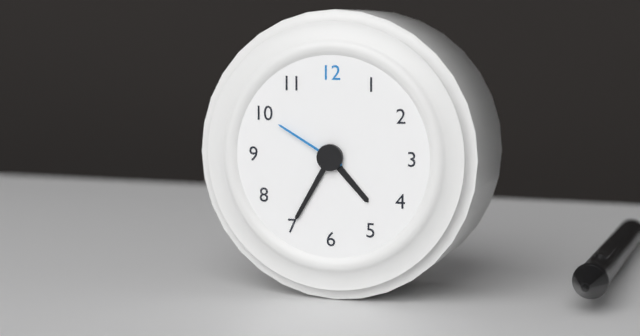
4.35.50
